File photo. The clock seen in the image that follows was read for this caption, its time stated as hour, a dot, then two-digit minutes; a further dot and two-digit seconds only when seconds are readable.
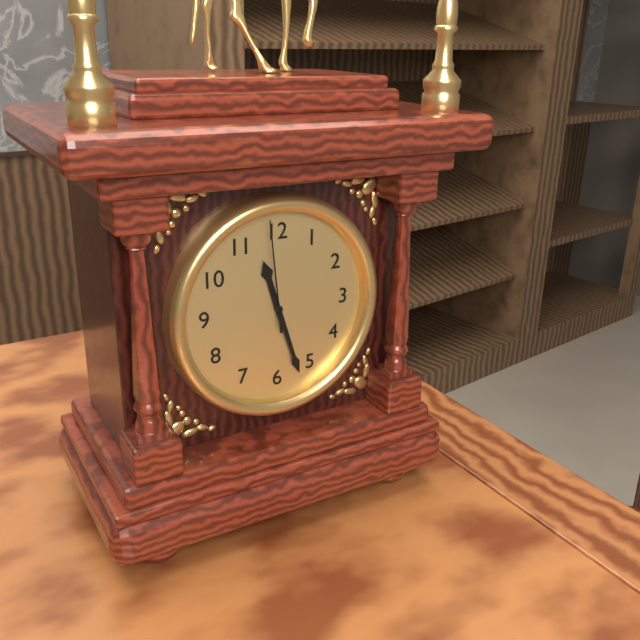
11.27.59
